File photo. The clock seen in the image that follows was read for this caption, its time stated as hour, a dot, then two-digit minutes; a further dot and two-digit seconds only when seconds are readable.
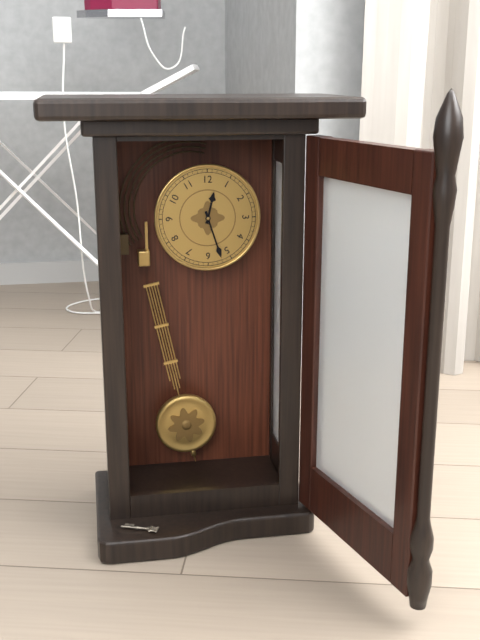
12.27
